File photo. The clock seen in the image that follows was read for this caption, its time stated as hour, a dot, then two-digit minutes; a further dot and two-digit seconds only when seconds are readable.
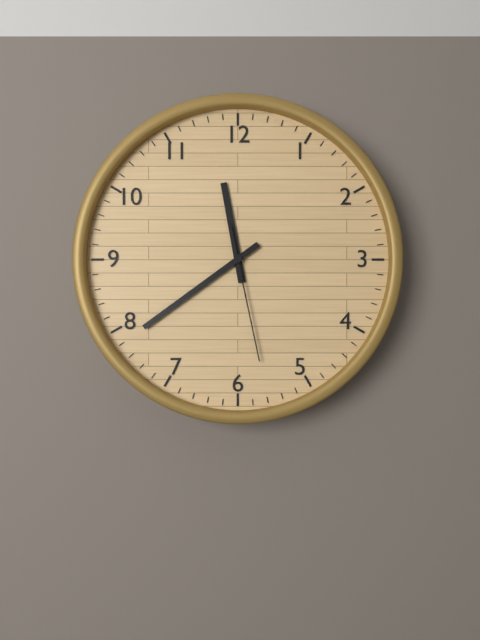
11.39.28
